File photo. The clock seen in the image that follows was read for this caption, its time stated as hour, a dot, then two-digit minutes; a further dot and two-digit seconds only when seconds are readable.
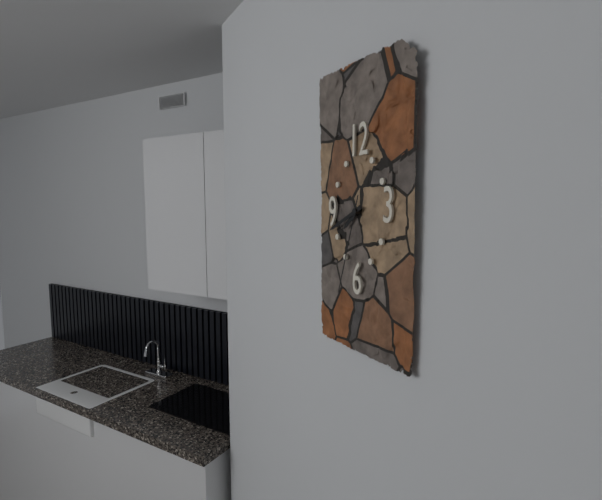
7.41.33
